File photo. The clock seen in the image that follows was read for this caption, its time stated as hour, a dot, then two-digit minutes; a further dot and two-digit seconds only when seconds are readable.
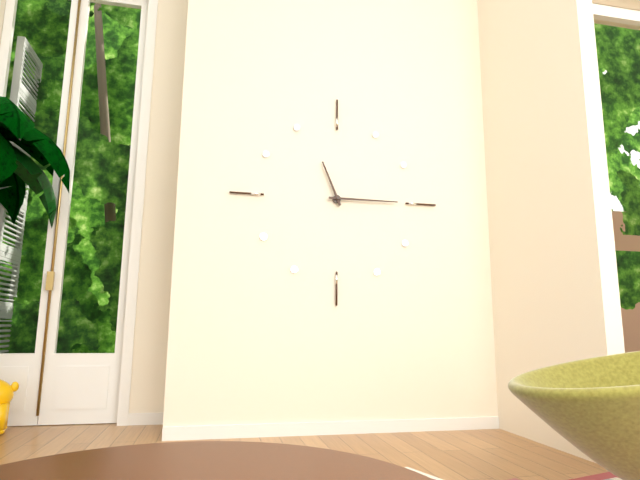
11.15
